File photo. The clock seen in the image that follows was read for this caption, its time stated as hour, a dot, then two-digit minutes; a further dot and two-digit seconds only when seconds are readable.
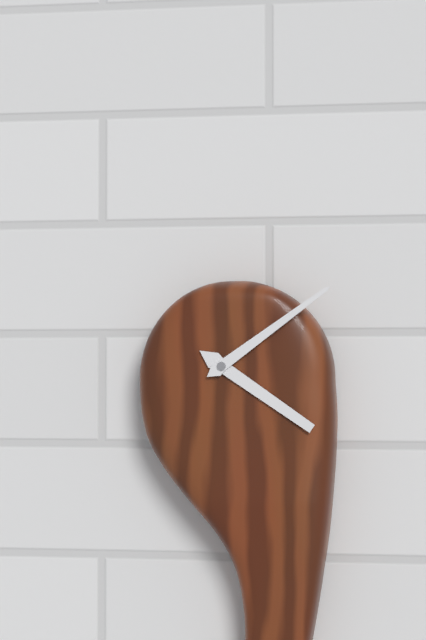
4.09
